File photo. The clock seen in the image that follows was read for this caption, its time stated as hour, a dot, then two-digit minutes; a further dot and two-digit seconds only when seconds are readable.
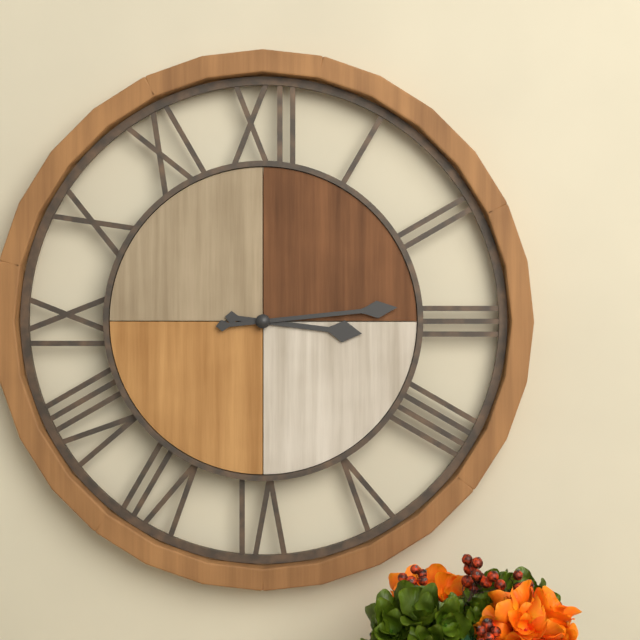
3.14
